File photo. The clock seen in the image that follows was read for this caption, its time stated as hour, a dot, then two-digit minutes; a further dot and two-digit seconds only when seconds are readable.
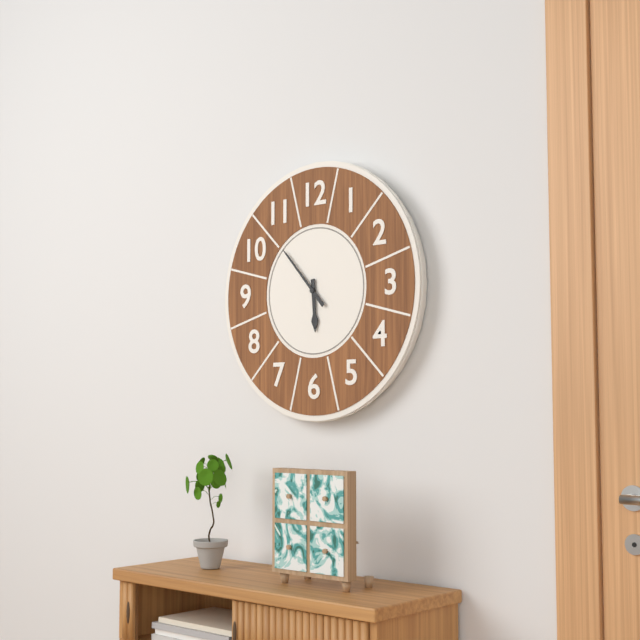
5.53
